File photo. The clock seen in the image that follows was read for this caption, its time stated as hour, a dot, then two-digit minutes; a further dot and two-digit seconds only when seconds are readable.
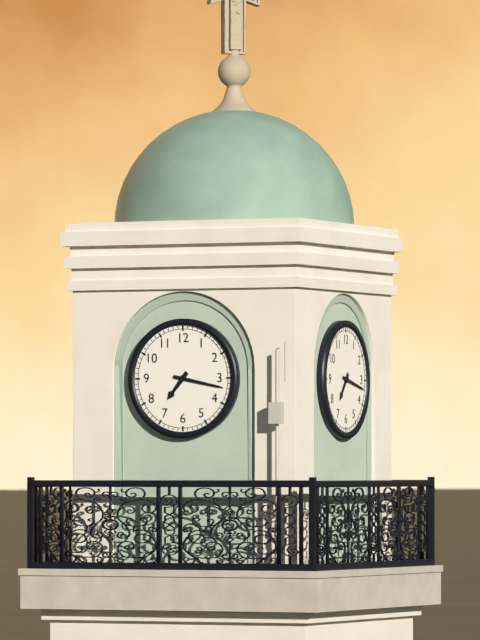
7.17
